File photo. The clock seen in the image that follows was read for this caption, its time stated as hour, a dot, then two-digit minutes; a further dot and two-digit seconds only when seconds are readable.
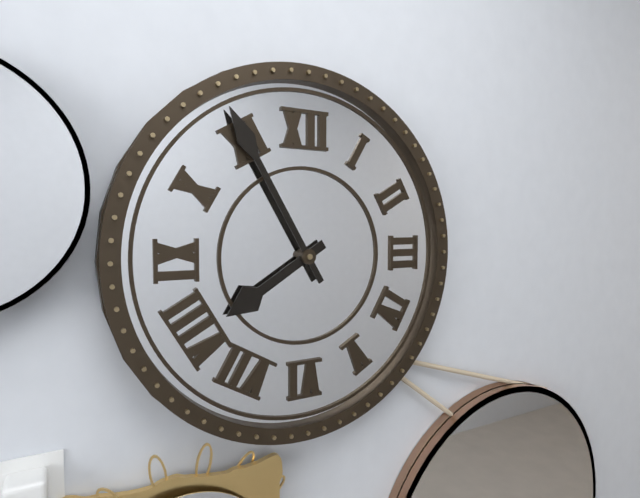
7.55
